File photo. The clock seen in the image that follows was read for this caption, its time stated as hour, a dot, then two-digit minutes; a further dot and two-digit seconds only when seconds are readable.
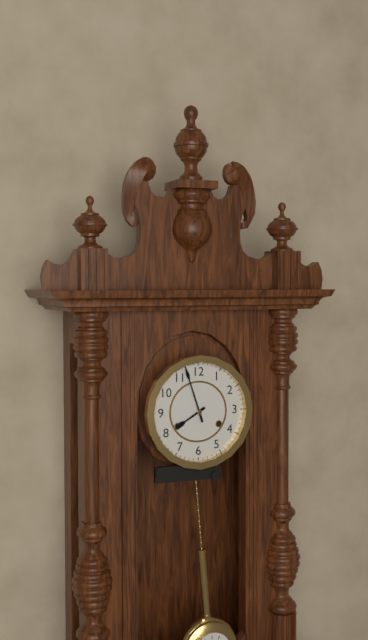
7.57
